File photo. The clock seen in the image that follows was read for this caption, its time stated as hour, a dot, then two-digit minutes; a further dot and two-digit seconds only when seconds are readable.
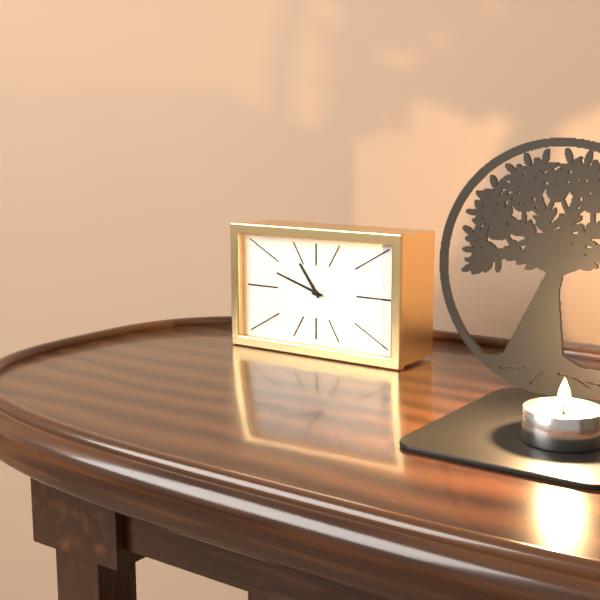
10.48
